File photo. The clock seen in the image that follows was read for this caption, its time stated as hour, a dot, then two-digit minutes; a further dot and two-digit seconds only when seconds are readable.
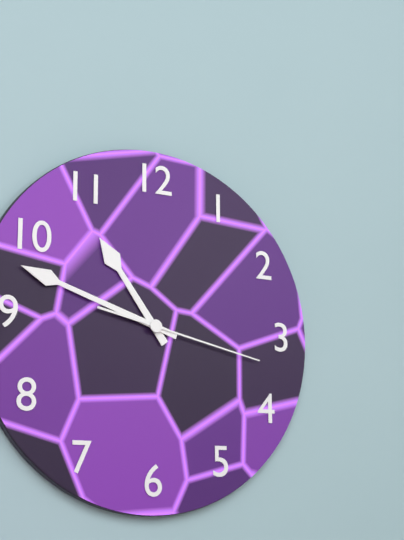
10.48.17
